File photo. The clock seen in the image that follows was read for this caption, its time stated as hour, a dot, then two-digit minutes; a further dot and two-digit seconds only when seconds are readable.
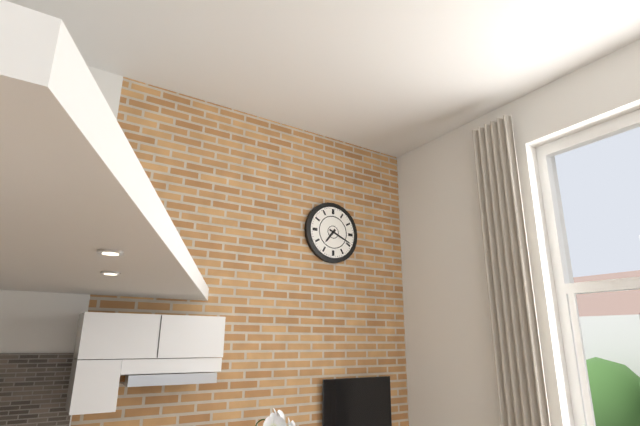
7.19
